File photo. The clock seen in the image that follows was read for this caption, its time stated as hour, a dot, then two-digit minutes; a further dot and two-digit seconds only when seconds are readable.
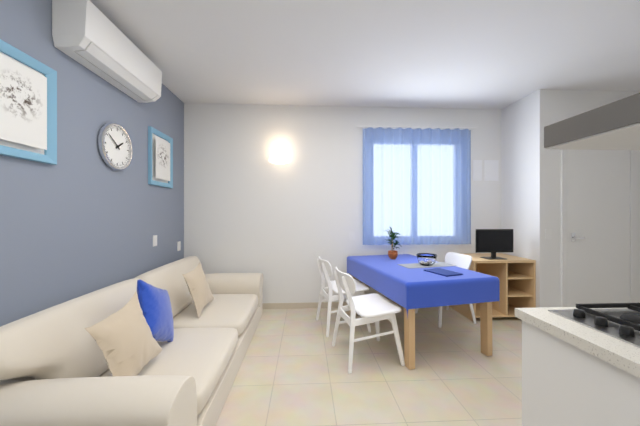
1.51
